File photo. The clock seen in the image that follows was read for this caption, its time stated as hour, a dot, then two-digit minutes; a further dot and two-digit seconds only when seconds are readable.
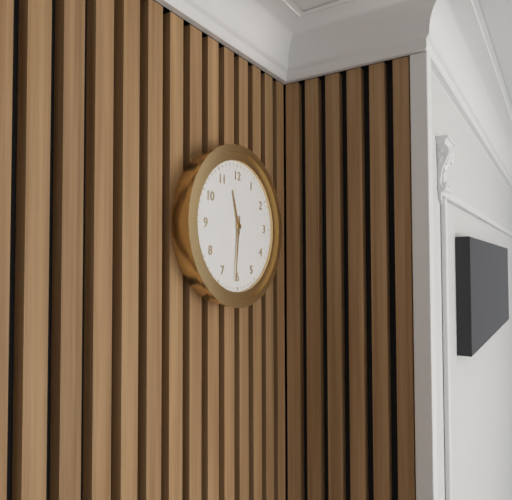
11.31
